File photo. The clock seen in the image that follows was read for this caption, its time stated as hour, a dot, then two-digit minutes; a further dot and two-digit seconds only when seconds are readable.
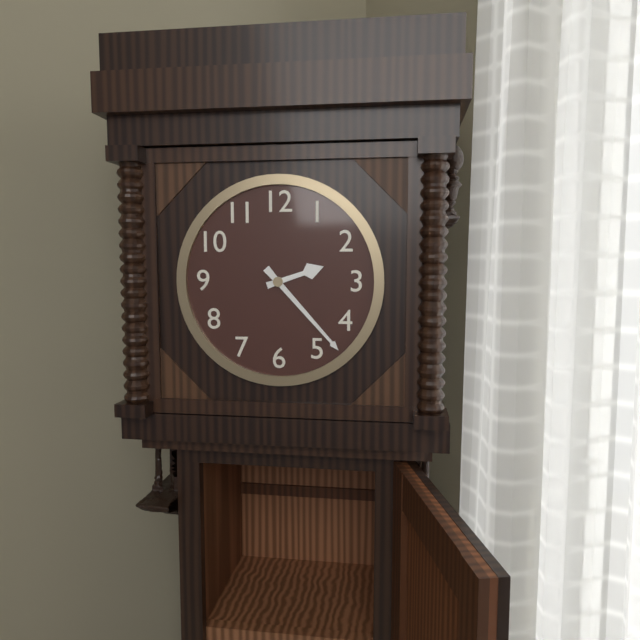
2.23
